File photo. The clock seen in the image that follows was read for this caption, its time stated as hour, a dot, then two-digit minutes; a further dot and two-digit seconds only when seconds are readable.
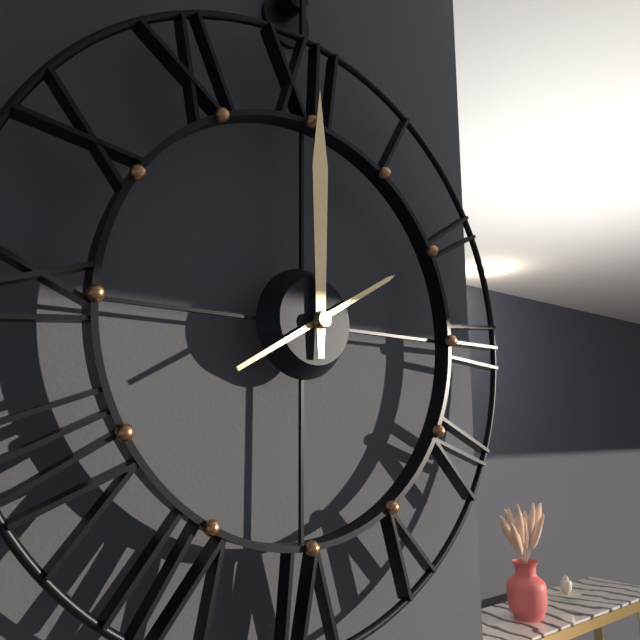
2.00
